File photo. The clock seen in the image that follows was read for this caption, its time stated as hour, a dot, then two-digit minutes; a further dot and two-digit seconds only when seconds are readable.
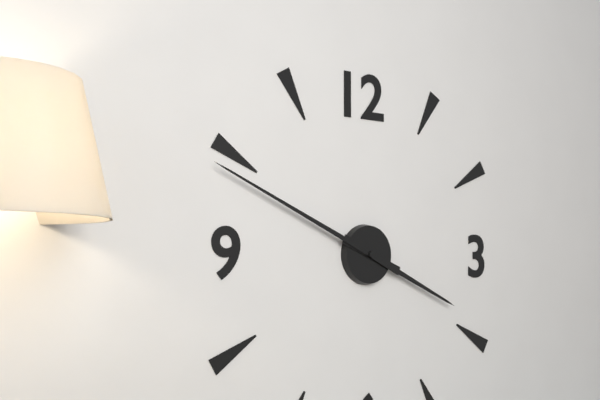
3.49
